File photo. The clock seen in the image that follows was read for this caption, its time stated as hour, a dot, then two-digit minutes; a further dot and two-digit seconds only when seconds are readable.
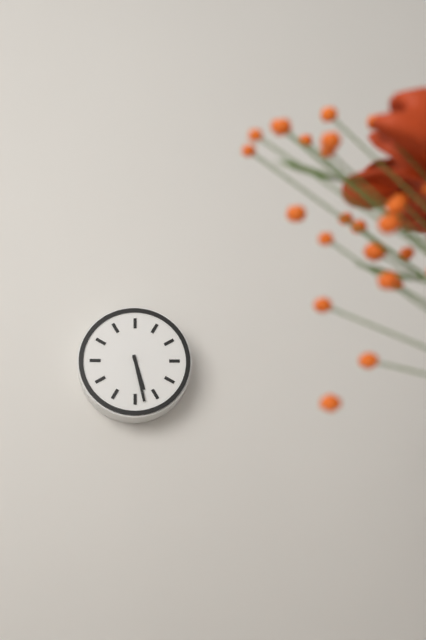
5.28
